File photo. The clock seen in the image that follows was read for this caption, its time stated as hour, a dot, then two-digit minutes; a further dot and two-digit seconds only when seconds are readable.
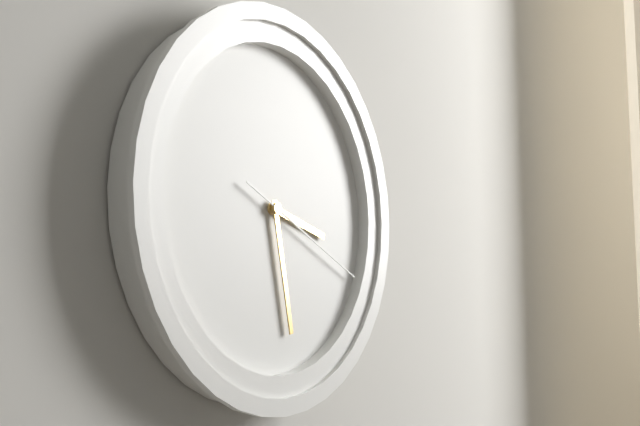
3.28.19
